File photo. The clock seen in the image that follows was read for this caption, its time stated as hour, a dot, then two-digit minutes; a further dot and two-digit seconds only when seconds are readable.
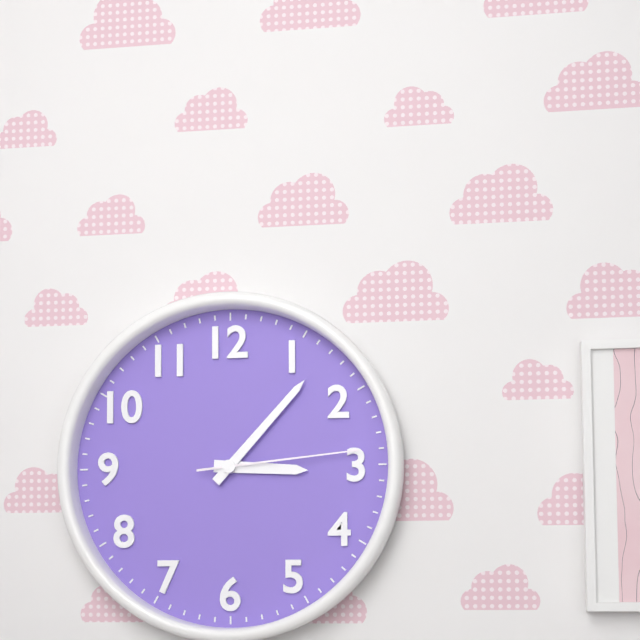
3.07.14
